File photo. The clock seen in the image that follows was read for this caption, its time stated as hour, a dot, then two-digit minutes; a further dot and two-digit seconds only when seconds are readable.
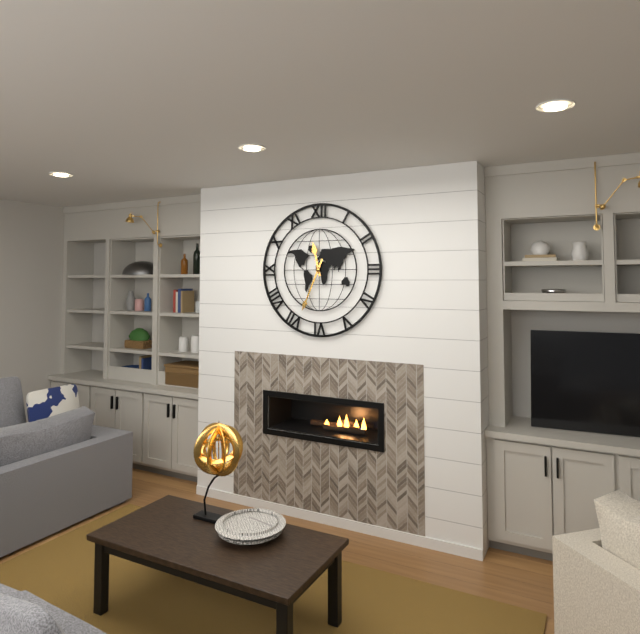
11.34
